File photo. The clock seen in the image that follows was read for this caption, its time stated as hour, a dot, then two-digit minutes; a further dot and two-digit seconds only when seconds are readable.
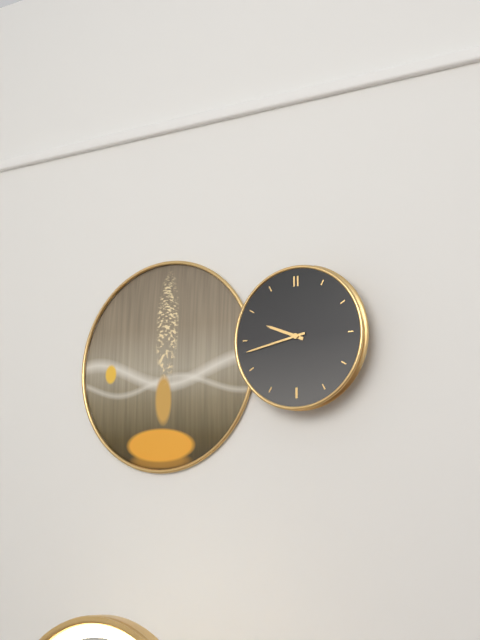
9.43
